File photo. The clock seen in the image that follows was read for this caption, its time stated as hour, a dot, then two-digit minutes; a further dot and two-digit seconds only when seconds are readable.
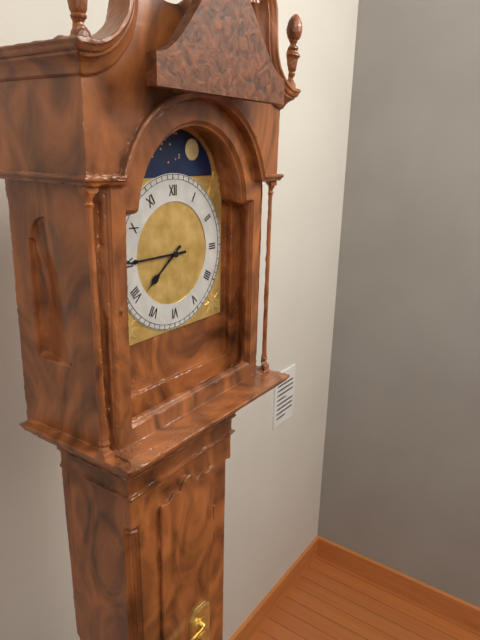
7.45
